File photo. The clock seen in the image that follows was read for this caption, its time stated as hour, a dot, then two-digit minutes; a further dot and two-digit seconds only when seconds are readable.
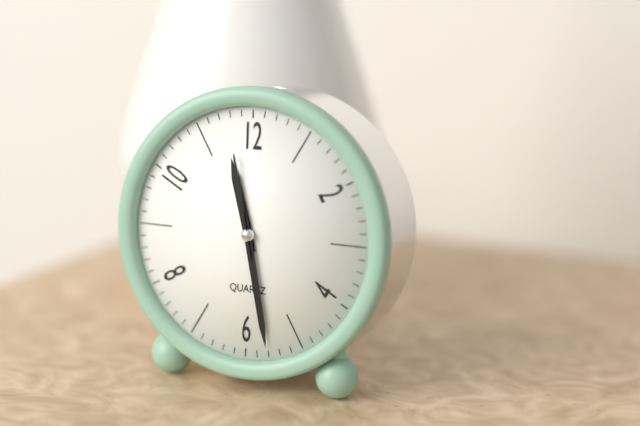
11.28.58
